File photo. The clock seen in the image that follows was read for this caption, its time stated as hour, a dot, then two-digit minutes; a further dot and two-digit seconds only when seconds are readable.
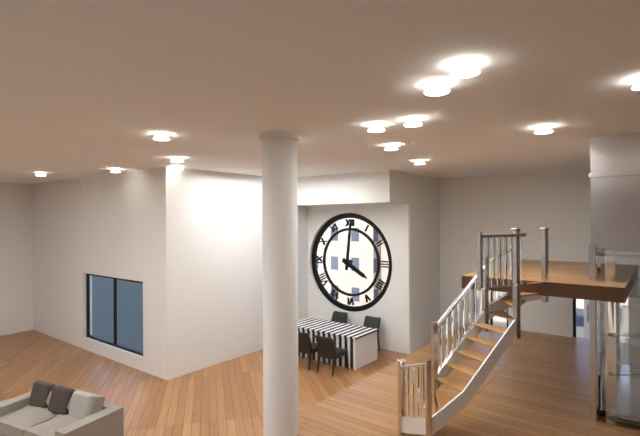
4.01
